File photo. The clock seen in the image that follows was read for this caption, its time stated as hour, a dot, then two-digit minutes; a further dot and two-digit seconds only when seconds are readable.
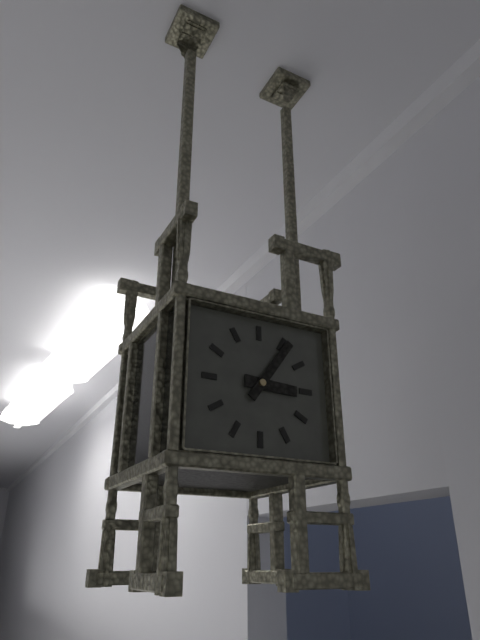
3.06
